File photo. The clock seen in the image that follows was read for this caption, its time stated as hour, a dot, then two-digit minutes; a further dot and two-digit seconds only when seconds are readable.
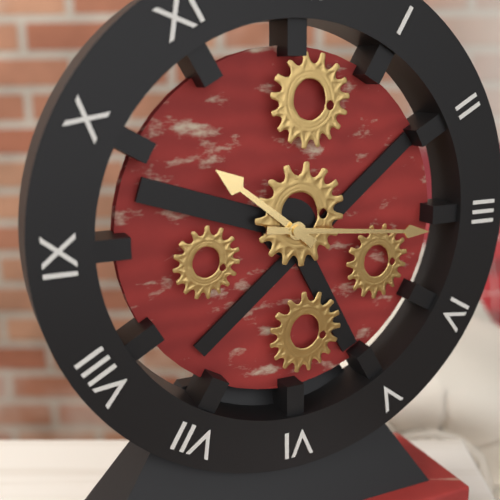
10.16
